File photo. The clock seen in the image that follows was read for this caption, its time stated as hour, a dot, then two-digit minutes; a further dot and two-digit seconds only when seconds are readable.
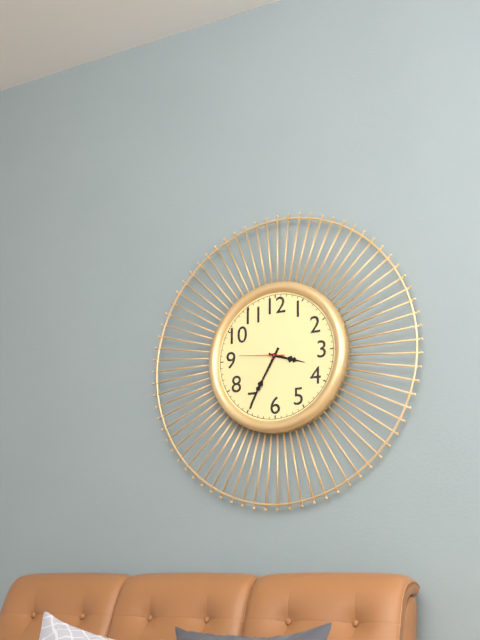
3.35.46
